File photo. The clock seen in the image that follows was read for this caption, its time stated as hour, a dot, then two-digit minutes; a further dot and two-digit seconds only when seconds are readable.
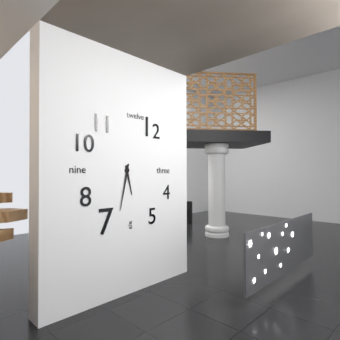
5.32
